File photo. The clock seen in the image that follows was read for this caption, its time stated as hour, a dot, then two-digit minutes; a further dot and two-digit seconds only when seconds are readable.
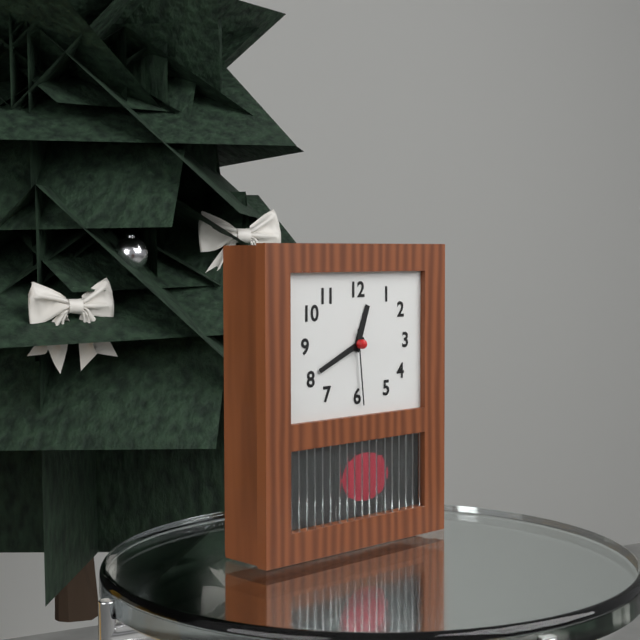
12.41.29
